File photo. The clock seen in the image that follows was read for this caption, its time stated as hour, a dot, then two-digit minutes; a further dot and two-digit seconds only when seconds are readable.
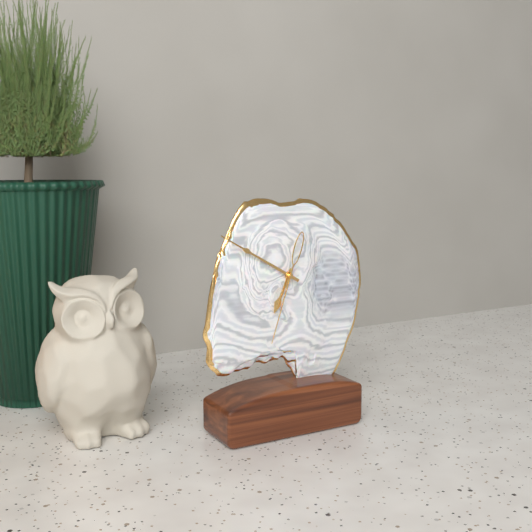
6.50.33
